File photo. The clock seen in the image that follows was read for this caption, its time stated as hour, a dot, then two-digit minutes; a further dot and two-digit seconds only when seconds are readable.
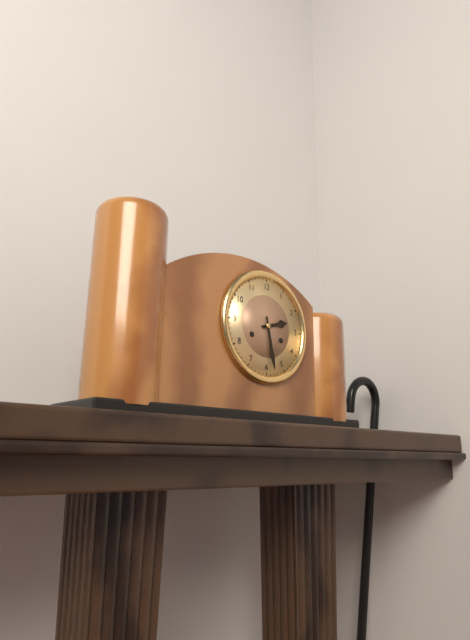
2.28
